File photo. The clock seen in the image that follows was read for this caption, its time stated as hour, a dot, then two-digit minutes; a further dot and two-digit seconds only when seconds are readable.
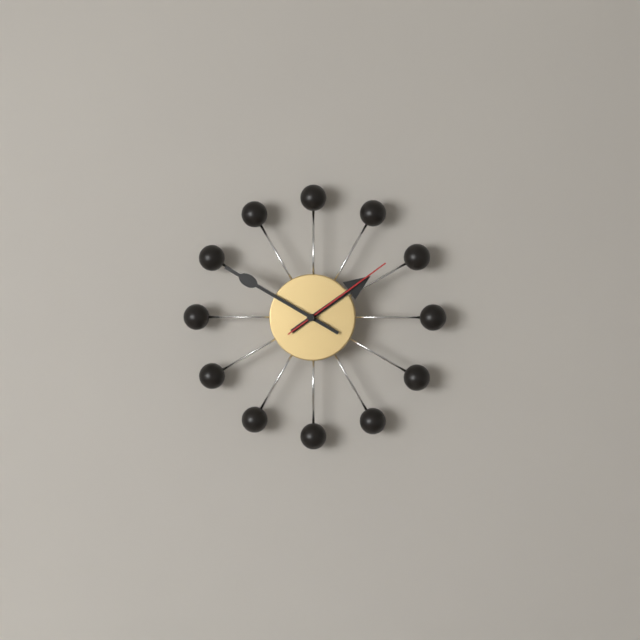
1.50.09
